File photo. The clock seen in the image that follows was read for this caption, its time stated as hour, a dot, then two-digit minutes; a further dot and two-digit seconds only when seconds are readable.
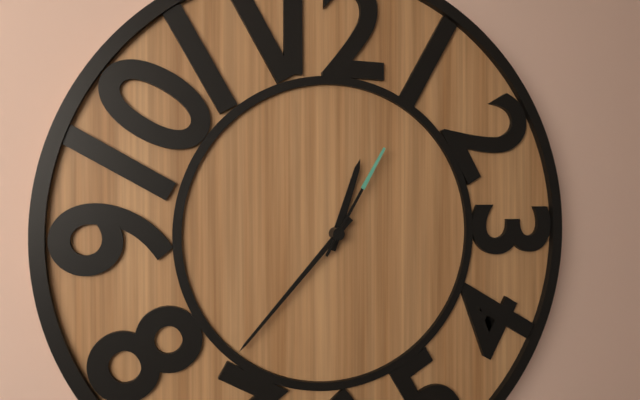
12.37.05
